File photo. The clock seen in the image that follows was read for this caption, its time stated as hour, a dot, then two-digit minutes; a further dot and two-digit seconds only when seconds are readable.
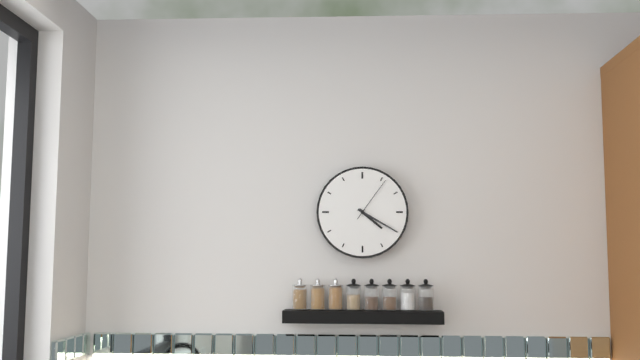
4.20
